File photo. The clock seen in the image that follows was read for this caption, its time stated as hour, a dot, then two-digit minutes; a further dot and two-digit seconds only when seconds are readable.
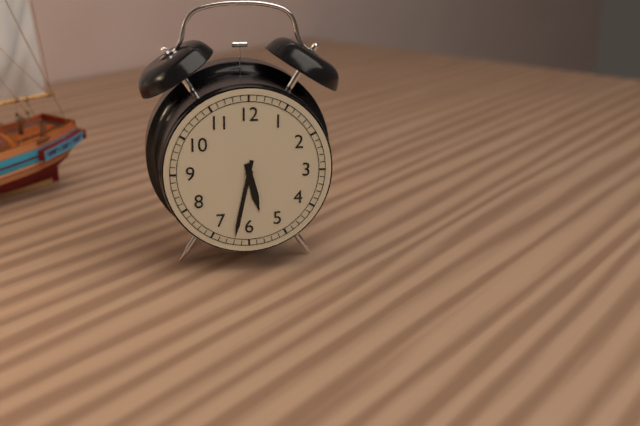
5.32
